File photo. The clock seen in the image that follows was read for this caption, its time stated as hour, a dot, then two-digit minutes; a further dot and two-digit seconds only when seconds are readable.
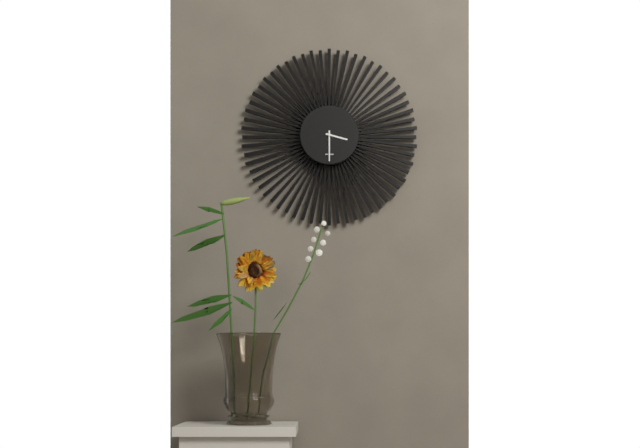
3.30
